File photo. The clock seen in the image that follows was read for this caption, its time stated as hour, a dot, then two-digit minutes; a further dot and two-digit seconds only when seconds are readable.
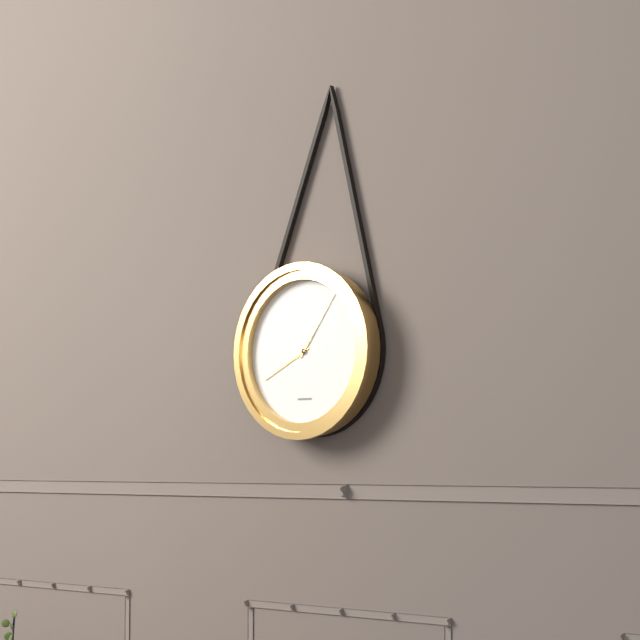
8.06
